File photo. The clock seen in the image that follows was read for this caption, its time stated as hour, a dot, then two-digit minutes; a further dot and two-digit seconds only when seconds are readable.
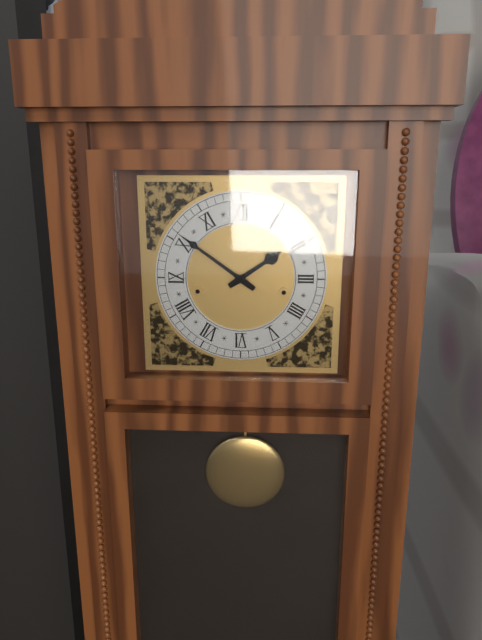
1.51
